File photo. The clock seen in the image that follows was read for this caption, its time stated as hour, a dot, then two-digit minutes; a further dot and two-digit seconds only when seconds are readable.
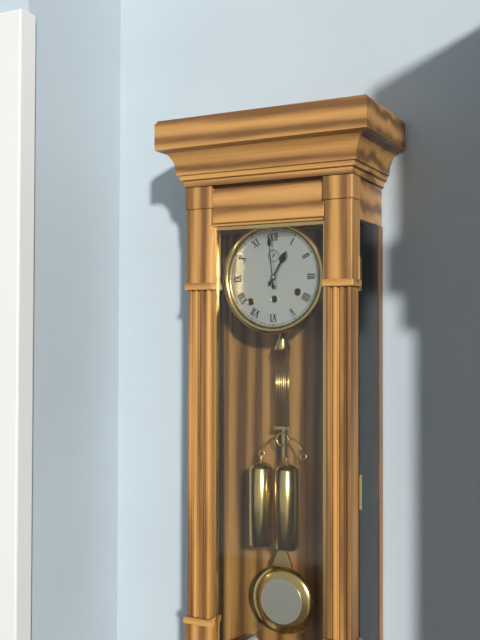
12.59
